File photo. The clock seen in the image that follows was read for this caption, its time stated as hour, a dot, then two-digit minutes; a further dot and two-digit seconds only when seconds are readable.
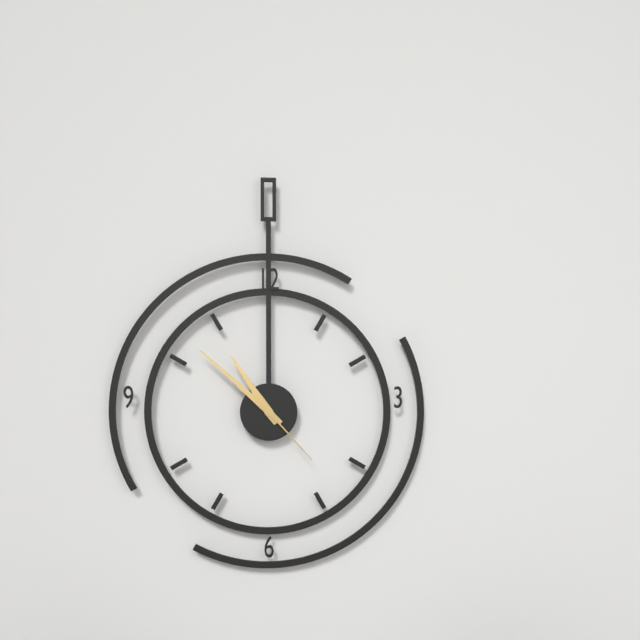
10.52.23
